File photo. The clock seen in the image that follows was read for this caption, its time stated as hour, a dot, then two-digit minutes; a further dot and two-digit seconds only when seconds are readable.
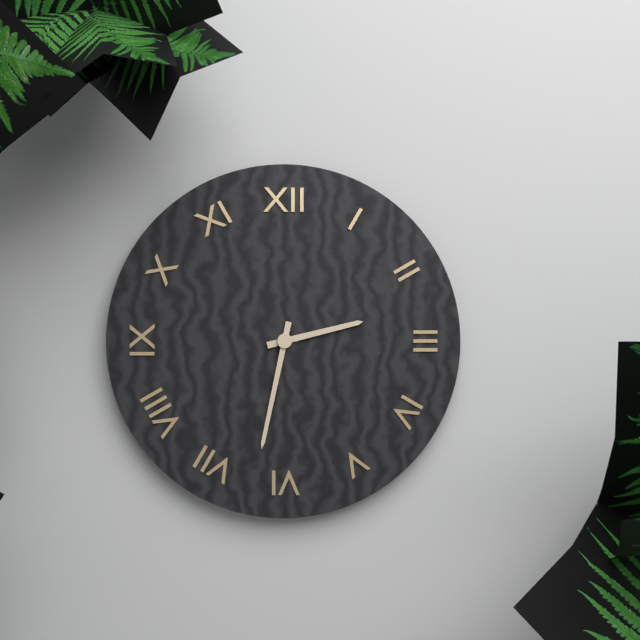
2.32
